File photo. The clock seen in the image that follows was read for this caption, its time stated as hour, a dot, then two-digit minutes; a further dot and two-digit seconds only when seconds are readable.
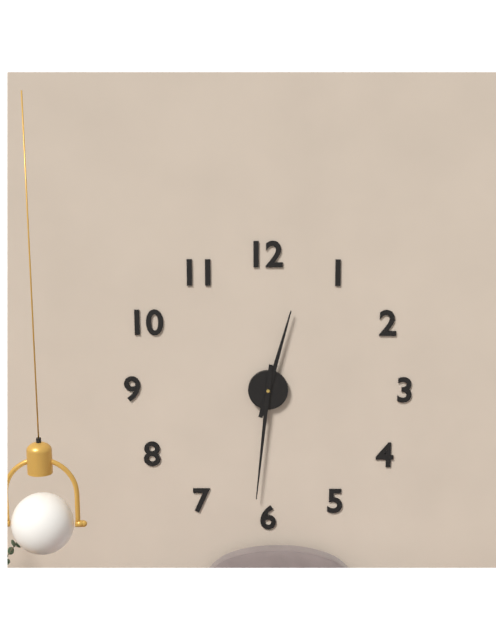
12.31
